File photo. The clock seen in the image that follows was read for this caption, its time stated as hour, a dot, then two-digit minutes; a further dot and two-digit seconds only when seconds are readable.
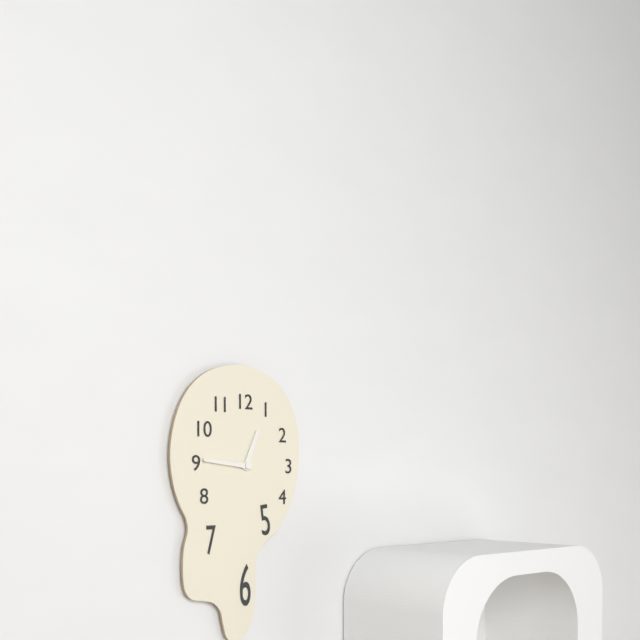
12.46
